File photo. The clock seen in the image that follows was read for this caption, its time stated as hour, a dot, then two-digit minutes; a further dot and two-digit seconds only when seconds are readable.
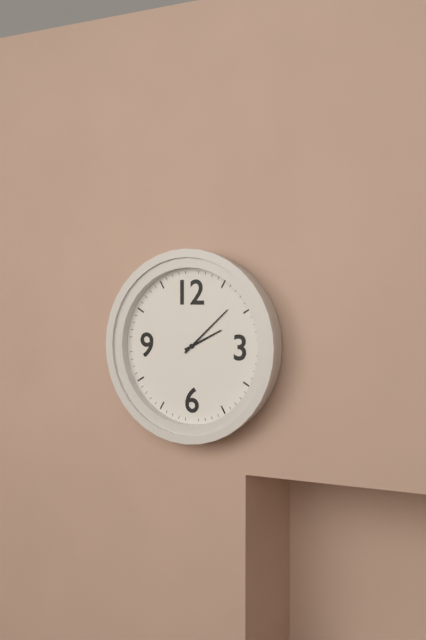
2.08
